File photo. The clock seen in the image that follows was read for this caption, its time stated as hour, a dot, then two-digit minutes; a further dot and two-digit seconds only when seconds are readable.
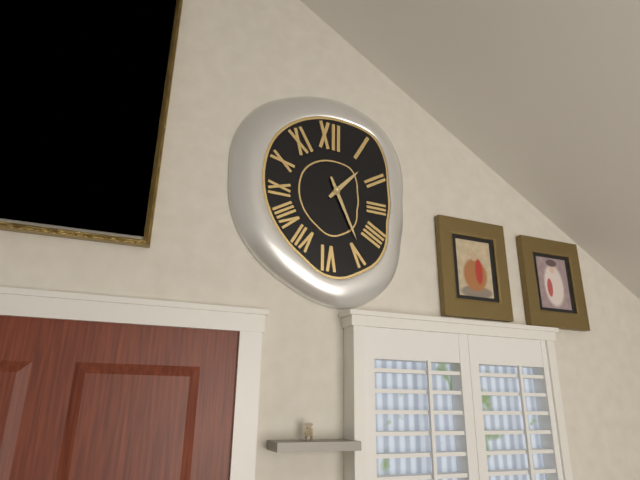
1.26
